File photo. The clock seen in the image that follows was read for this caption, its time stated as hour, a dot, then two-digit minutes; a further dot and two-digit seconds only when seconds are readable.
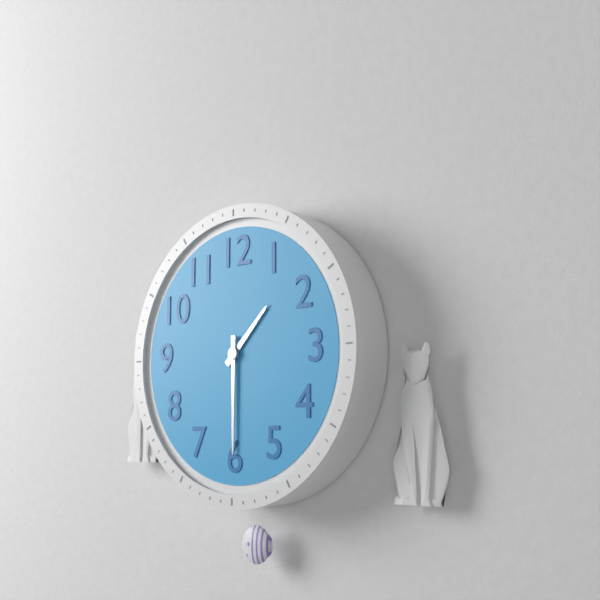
1.30
